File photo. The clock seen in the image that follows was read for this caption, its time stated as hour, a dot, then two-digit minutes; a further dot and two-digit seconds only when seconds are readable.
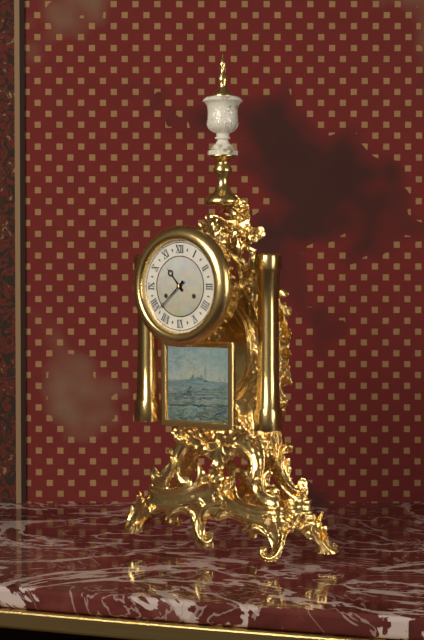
10.38
